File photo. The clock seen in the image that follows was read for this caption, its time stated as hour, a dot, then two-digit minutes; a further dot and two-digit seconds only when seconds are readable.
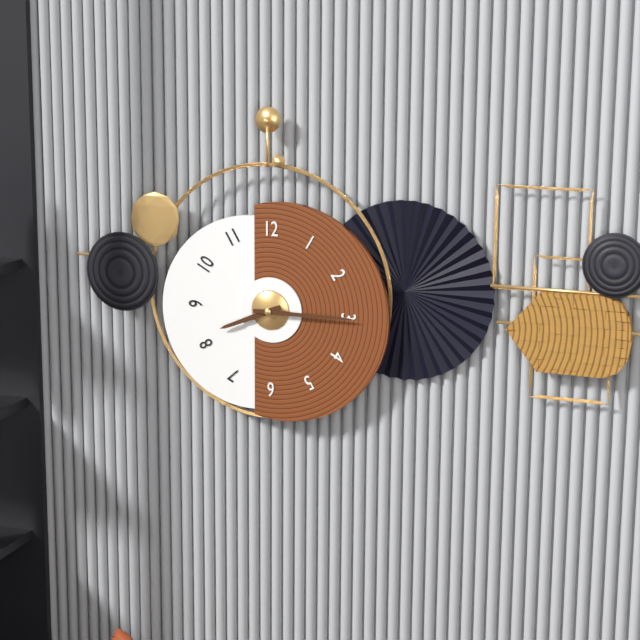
8.15
